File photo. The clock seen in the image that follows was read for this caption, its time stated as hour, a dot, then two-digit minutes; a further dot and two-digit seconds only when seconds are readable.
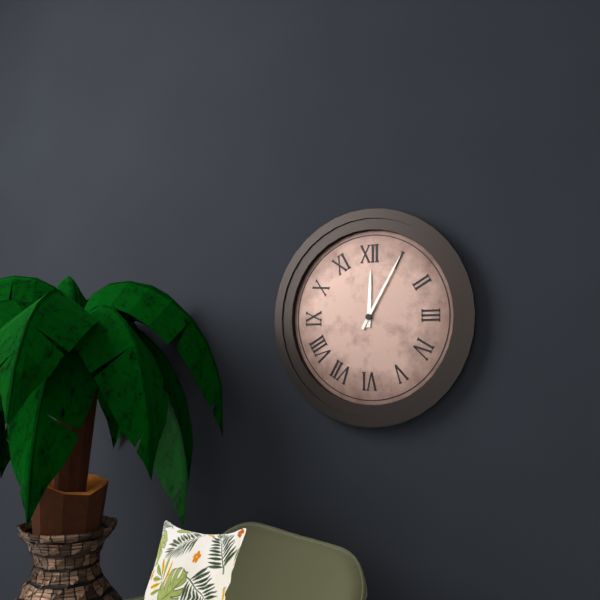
12.05
